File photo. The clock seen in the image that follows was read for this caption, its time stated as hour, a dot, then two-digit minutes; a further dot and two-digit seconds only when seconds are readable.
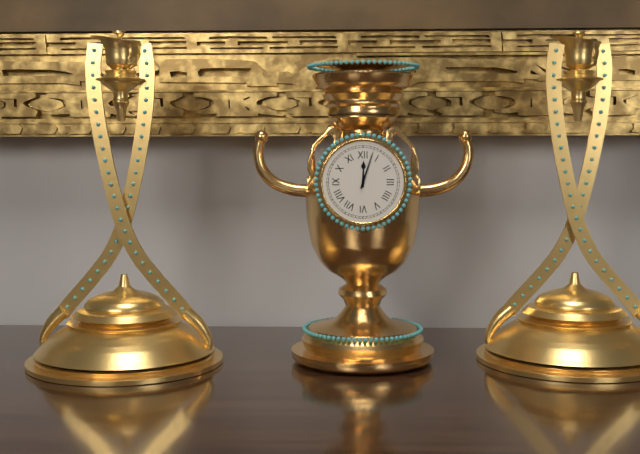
12.03
